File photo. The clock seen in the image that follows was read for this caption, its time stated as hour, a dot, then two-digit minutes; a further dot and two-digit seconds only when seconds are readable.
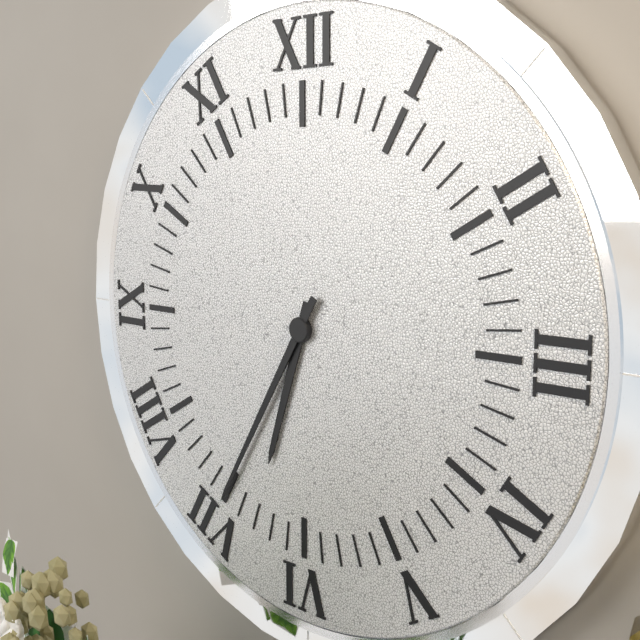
6.35
